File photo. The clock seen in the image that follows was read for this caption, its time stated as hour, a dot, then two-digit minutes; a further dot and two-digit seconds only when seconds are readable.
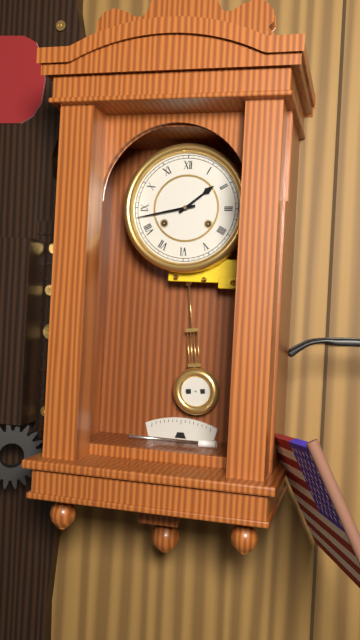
1.43
